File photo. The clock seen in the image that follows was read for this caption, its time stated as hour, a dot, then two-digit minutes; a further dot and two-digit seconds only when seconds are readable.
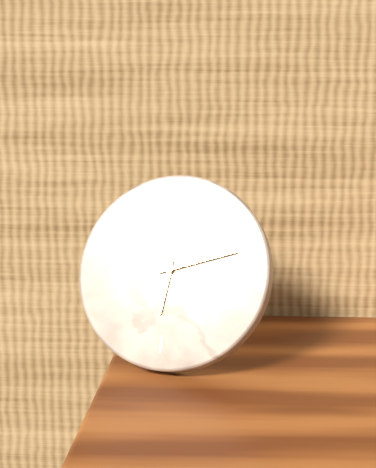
6.12
